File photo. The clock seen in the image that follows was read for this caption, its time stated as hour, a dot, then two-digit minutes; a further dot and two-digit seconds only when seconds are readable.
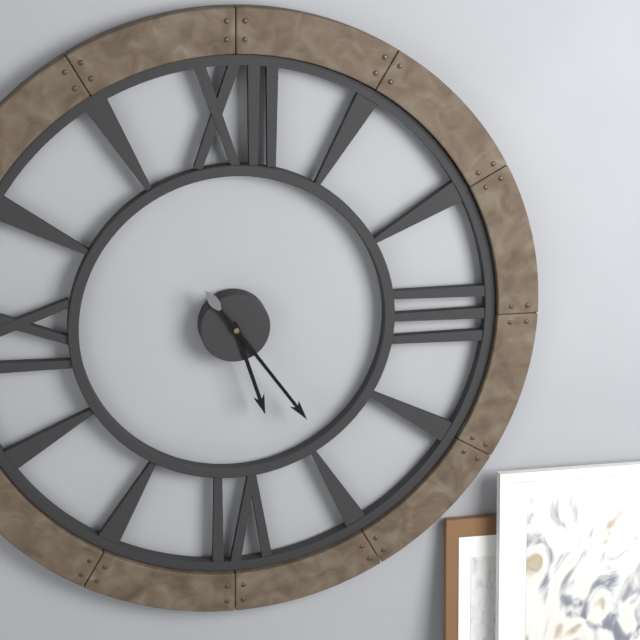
5.24
